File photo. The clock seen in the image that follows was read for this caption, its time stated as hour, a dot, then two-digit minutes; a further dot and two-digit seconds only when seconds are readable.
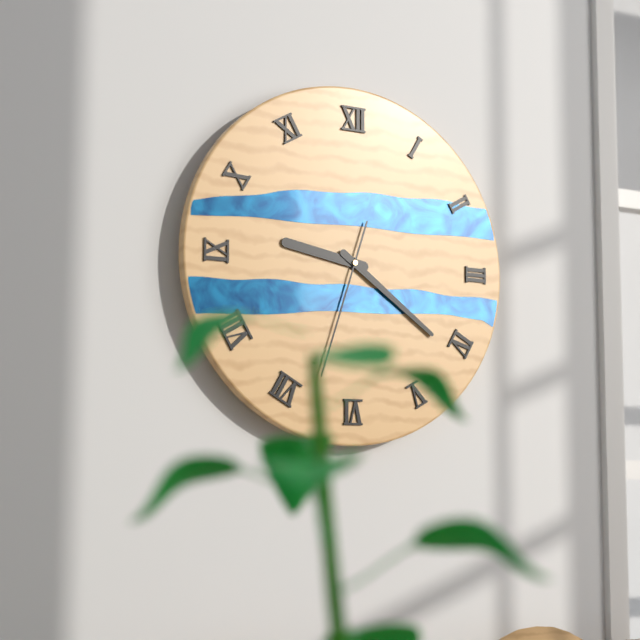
9.21.33
